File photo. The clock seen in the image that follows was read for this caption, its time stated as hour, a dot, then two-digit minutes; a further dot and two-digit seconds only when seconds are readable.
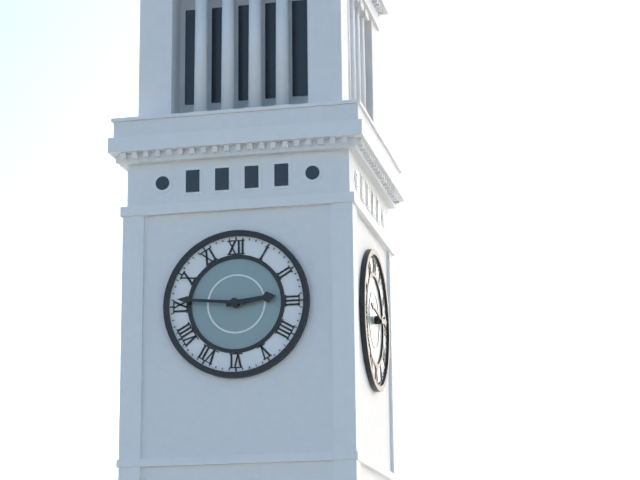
2.46
